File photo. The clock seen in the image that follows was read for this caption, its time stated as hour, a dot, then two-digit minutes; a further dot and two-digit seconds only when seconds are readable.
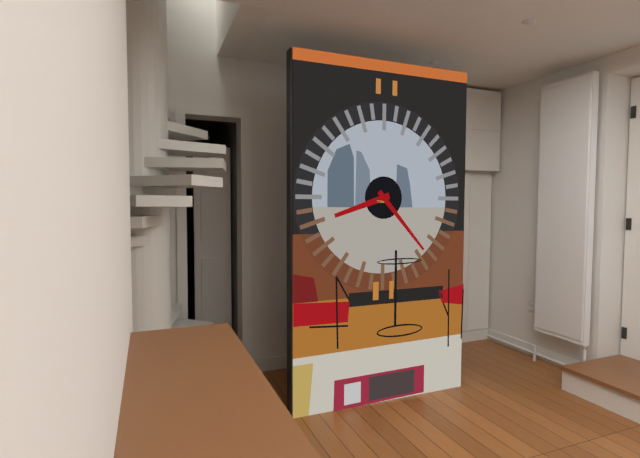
8.23
